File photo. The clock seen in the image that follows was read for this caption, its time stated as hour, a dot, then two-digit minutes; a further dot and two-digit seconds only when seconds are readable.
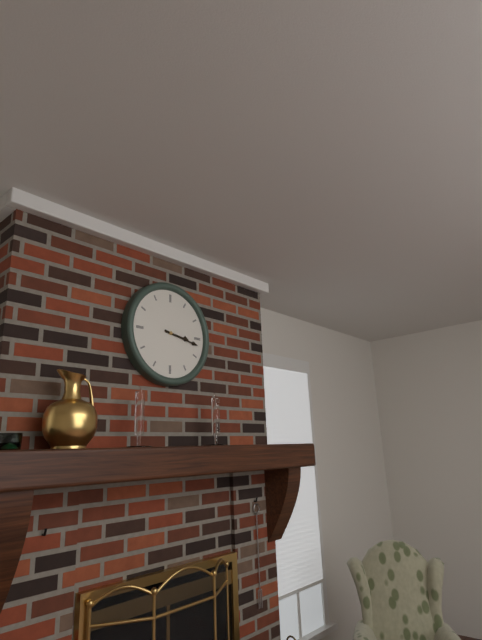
3.17
